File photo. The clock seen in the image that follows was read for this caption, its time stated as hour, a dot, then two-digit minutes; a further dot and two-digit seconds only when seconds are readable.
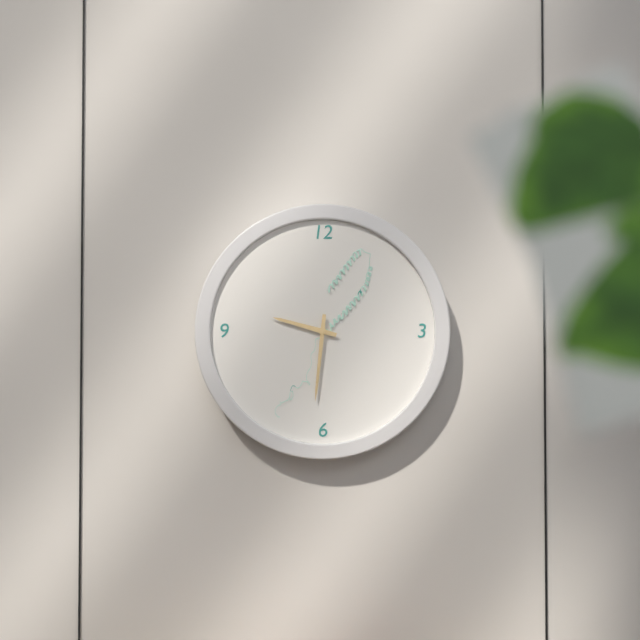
9.31
